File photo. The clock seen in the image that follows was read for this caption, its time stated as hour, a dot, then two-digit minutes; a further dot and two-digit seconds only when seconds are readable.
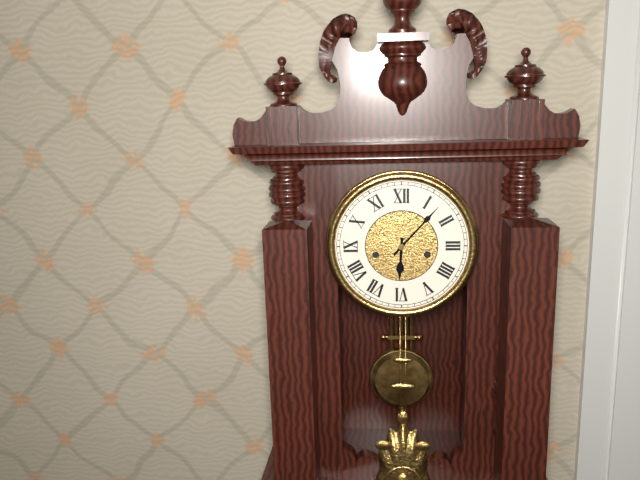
6.07
